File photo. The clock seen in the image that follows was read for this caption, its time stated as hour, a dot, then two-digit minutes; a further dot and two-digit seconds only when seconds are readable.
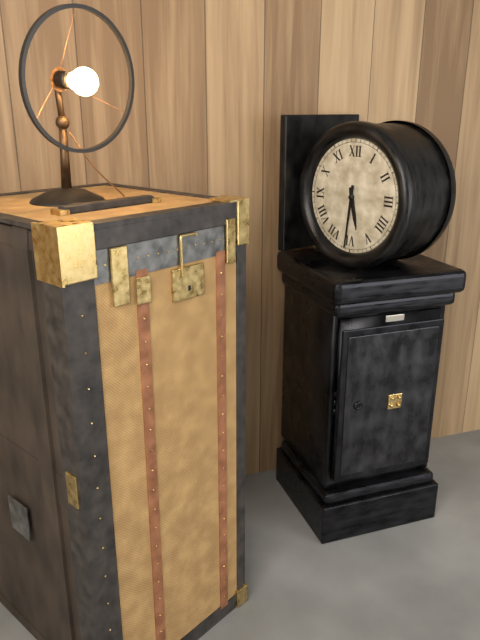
5.31
